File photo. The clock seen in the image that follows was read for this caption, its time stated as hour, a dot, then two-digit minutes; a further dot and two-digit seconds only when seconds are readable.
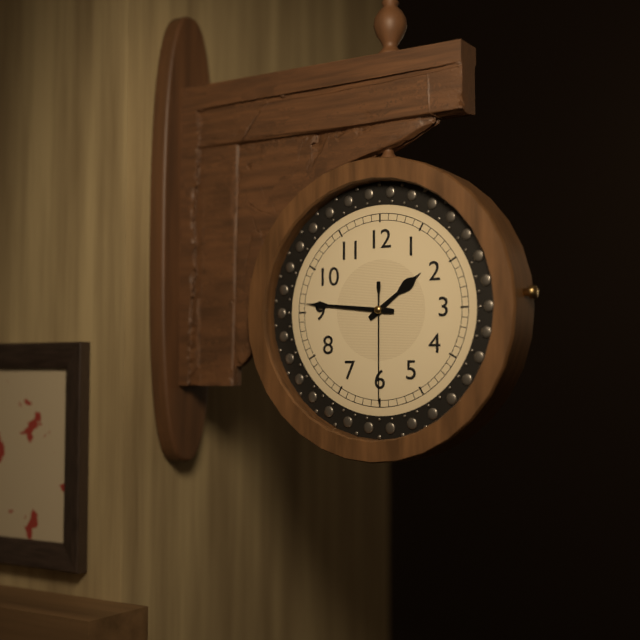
1.46.30
